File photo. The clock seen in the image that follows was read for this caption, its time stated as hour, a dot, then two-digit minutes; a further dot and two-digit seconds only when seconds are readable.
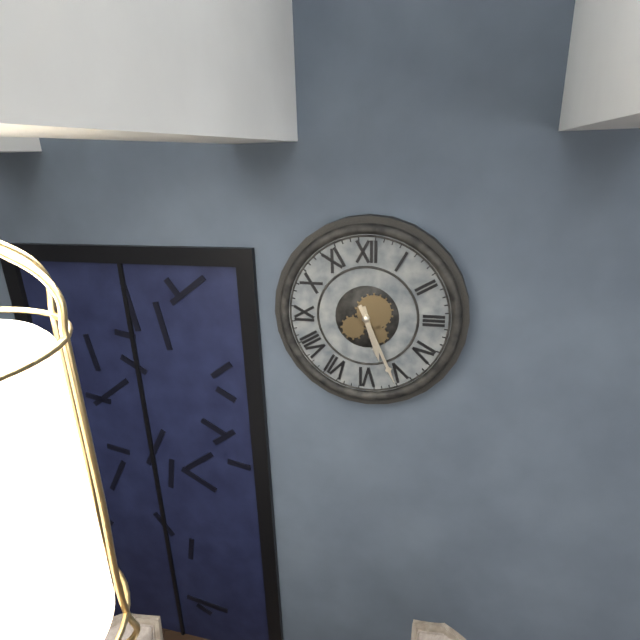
5.26
